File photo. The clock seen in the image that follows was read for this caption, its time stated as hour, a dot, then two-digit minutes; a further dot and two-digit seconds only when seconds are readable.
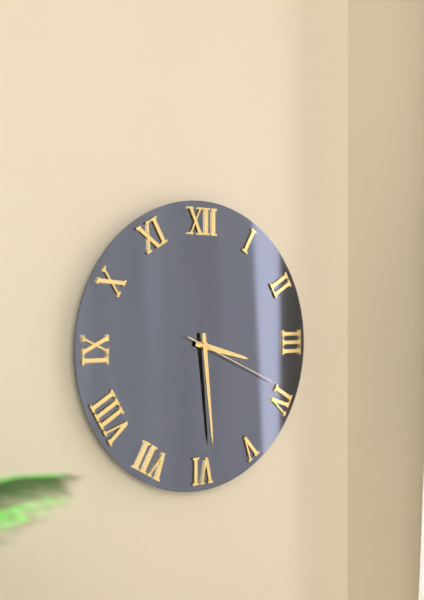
3.29.19
